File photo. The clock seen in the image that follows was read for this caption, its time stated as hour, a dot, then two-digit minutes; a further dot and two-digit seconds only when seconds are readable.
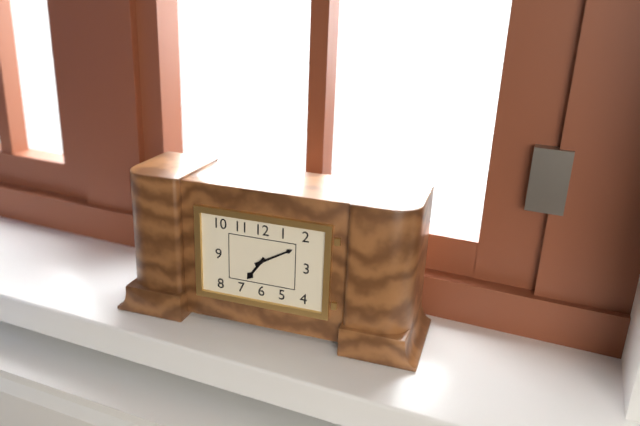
7.10
